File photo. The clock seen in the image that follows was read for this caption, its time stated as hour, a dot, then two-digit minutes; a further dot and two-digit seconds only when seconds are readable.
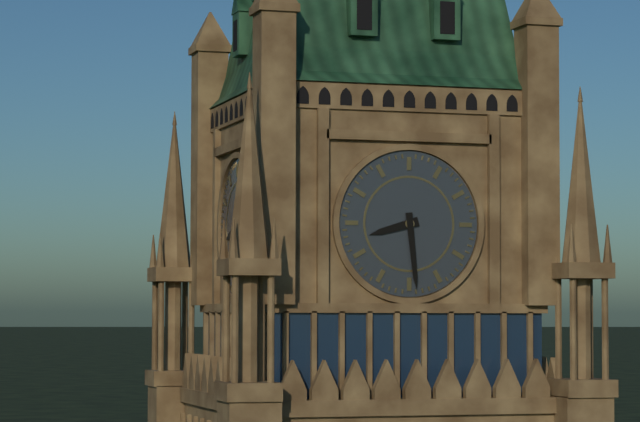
8.29
